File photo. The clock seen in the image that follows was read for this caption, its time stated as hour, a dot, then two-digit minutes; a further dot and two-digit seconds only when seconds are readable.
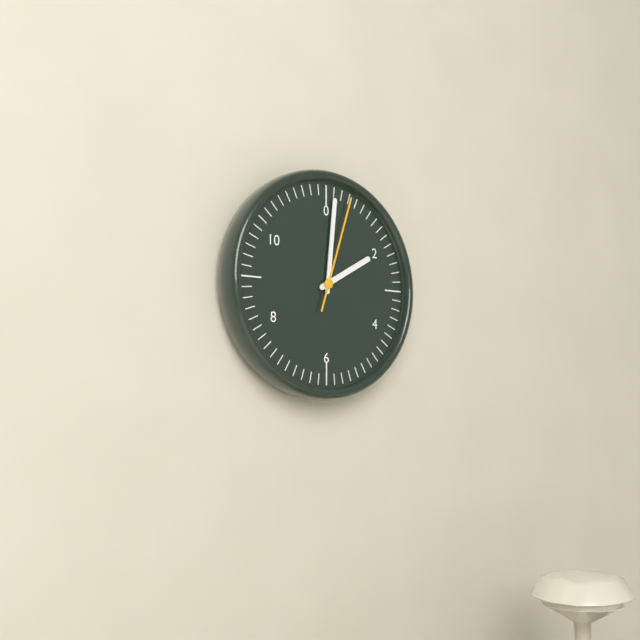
2.01.03
